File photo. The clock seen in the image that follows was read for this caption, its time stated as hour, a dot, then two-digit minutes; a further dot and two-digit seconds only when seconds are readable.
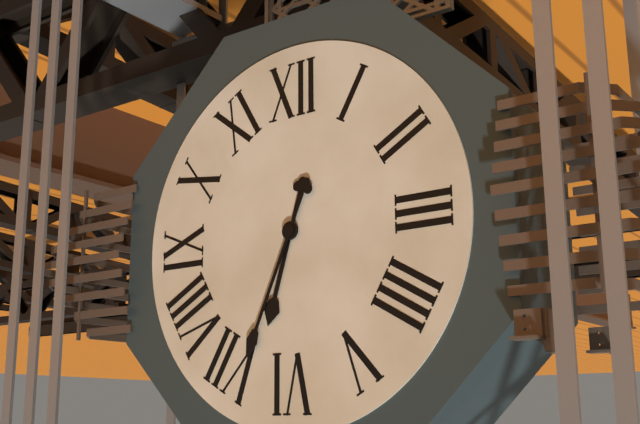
6.34
